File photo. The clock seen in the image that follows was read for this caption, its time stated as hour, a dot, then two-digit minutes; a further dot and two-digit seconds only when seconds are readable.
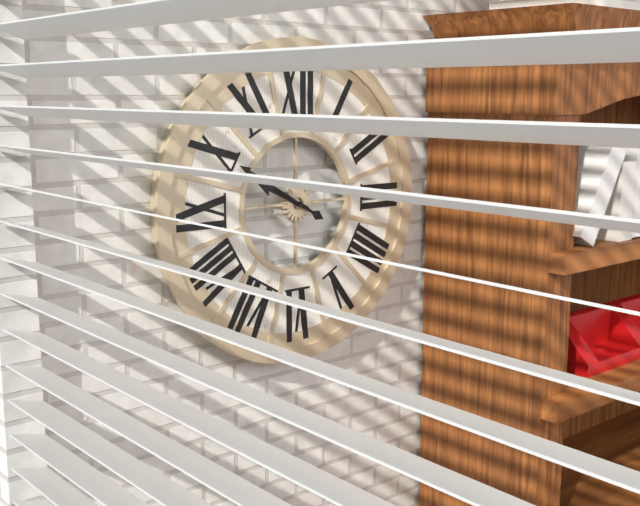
9.50
